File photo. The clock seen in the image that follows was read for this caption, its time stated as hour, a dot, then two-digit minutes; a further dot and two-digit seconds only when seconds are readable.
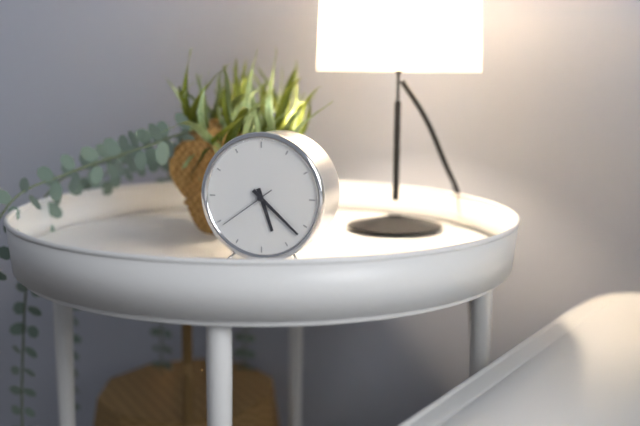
5.22.39
